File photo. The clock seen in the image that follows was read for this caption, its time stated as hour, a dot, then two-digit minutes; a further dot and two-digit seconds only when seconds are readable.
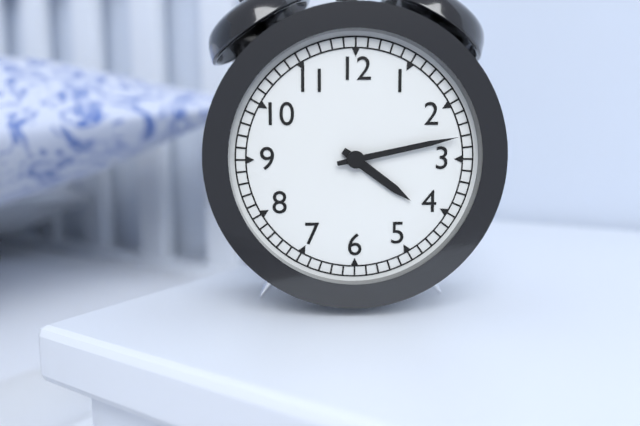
4.13
